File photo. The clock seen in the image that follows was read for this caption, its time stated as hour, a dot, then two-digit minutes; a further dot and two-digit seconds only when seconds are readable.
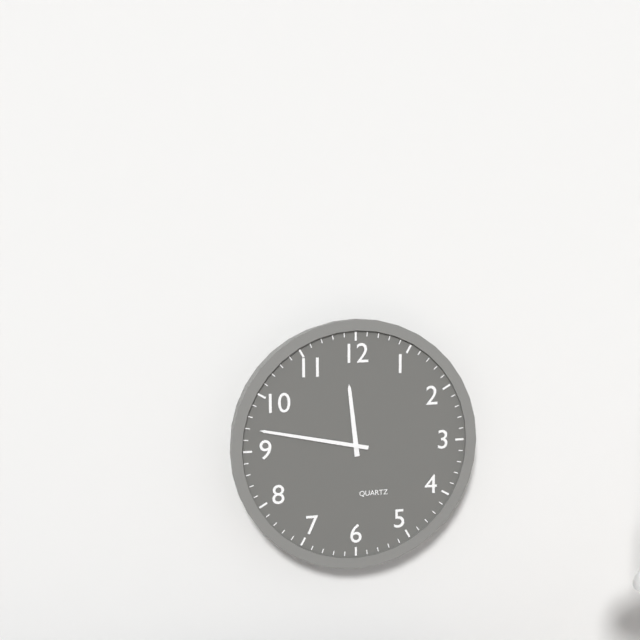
11.47
